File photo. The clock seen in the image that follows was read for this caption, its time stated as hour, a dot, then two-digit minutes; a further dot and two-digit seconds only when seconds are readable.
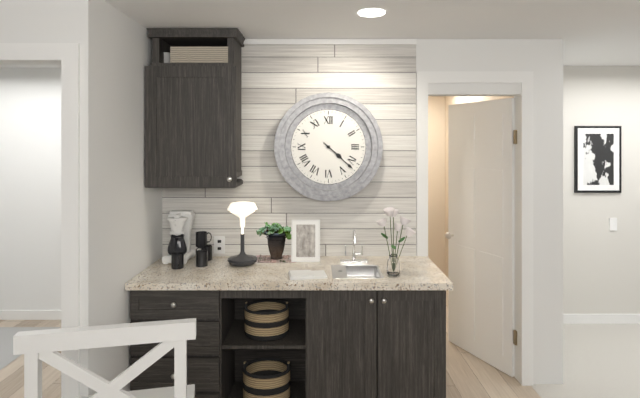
4.22
